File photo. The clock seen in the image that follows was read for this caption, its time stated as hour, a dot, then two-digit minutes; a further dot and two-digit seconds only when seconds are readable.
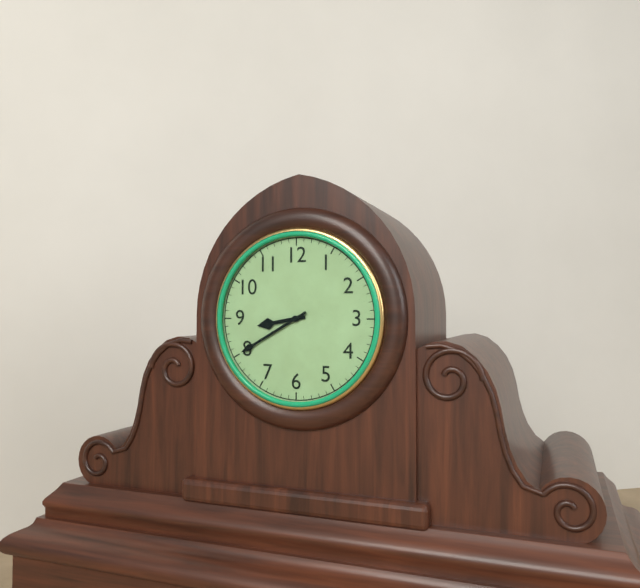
8.40
